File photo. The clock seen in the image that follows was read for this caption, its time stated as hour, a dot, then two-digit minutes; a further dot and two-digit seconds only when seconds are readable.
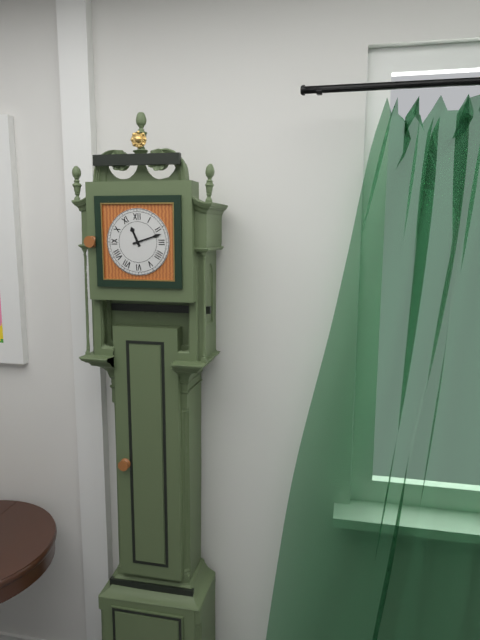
11.12
